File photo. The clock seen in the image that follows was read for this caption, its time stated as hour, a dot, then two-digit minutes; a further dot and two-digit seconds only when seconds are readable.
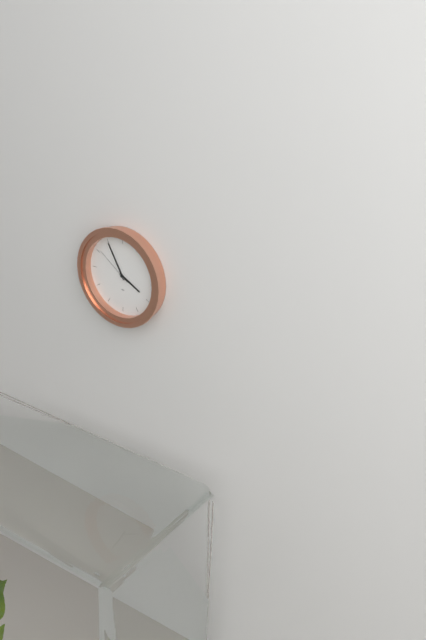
3.55
